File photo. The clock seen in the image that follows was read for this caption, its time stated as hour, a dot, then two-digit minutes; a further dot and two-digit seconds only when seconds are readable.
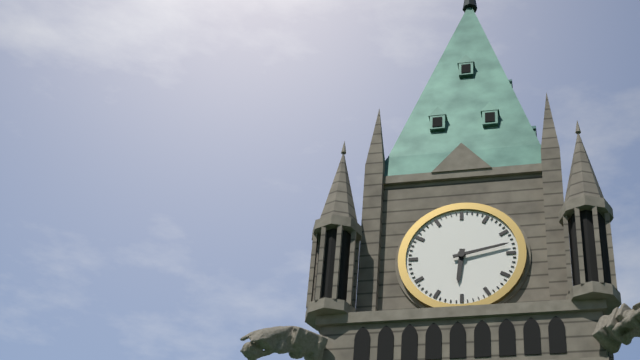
6.13
